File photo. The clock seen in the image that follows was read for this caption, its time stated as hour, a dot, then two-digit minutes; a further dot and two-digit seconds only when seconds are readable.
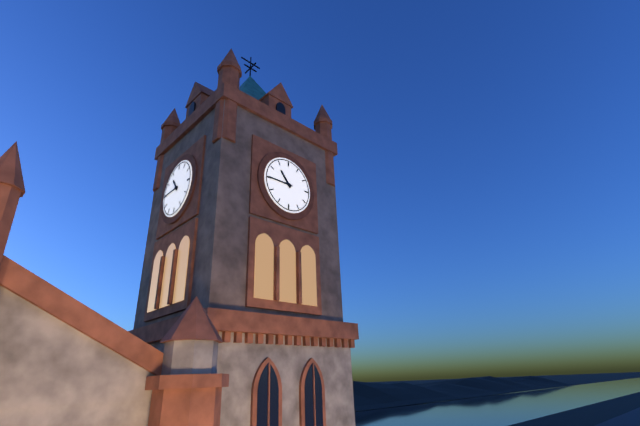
10.45
